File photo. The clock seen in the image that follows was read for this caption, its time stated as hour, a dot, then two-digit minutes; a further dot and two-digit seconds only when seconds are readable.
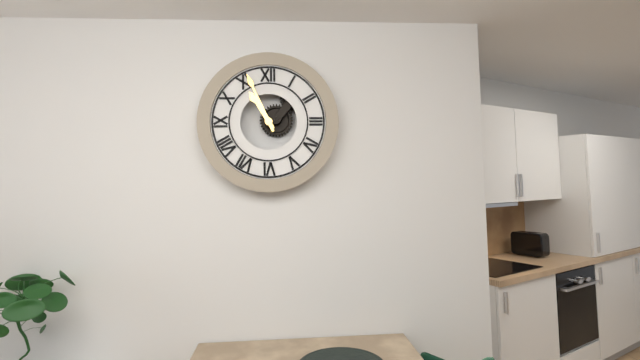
10.56
